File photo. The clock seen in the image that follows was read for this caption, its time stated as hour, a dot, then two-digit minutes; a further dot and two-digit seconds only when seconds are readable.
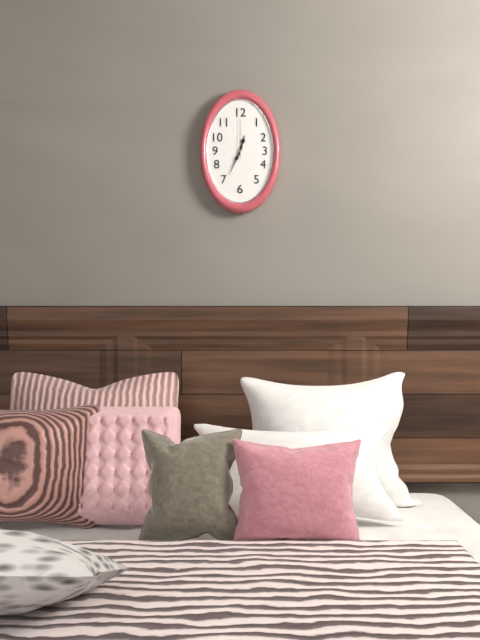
12.34
